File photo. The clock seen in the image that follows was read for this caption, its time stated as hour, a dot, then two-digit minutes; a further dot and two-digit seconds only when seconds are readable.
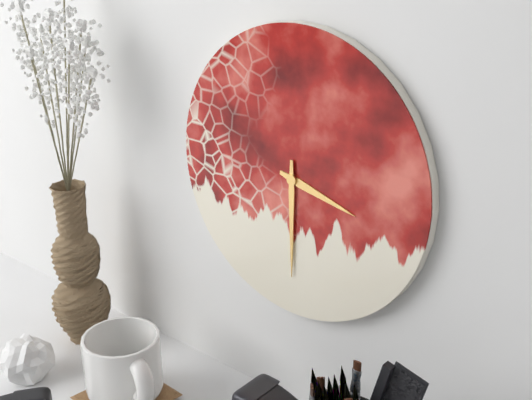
3.30
